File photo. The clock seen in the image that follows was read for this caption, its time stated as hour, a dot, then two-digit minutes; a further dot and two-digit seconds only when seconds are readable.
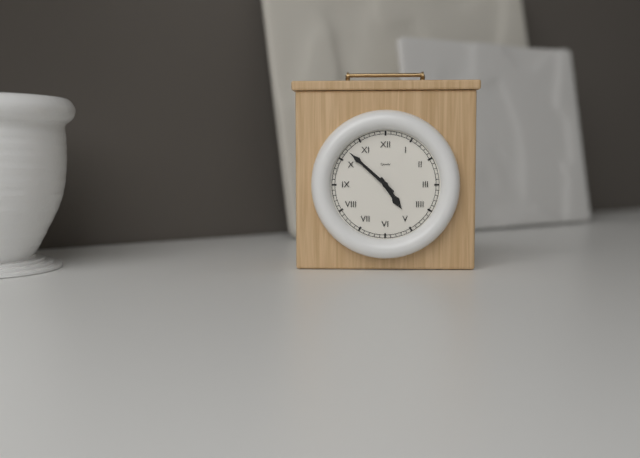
4.52
